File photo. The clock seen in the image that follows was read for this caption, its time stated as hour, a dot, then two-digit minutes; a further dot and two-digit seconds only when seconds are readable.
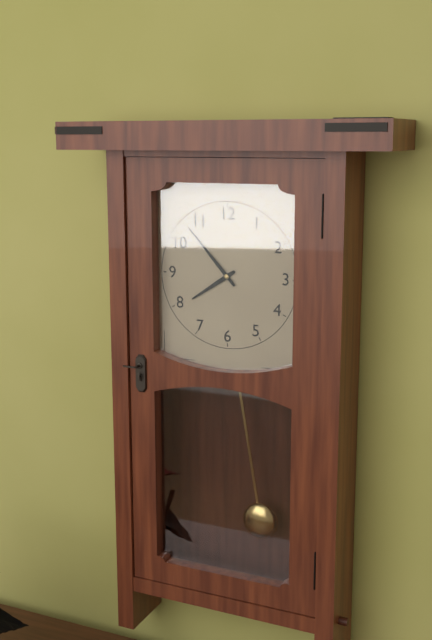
7.53
